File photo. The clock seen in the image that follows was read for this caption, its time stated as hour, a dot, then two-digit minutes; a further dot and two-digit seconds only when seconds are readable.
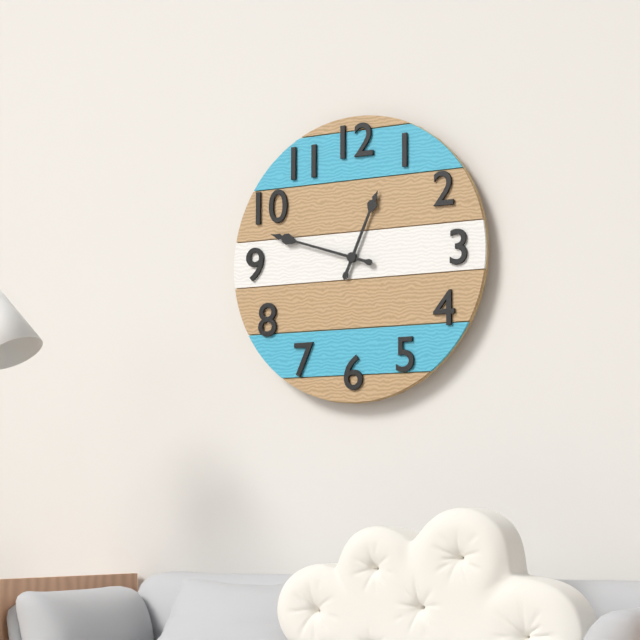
12.48
